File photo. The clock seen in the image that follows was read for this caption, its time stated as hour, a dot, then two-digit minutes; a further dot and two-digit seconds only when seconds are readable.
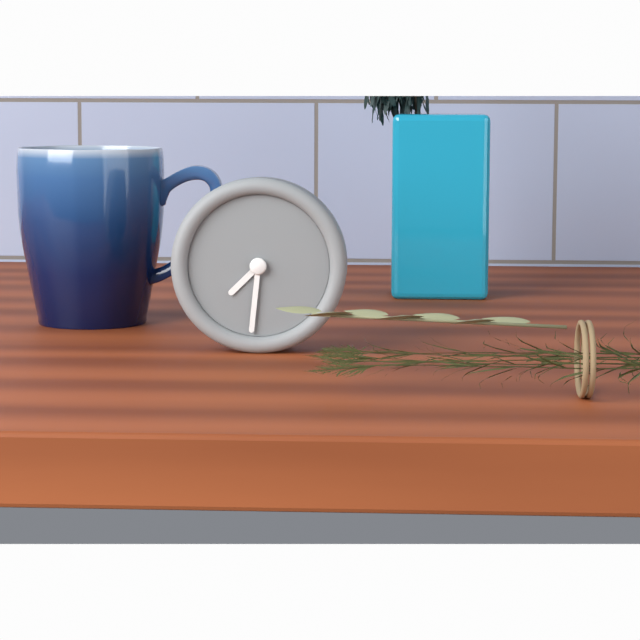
7.31
